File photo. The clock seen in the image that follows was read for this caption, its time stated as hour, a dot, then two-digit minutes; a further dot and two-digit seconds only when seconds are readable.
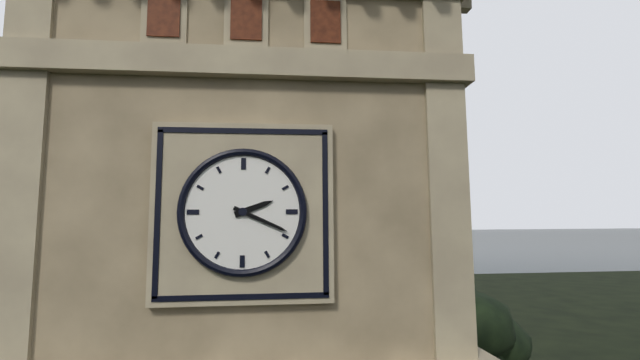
2.19
